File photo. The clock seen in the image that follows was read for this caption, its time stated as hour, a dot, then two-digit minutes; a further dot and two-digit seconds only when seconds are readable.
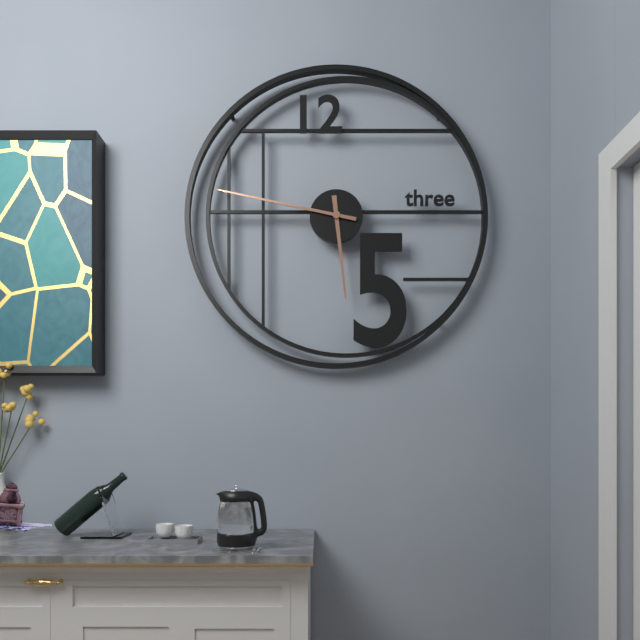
5.47
